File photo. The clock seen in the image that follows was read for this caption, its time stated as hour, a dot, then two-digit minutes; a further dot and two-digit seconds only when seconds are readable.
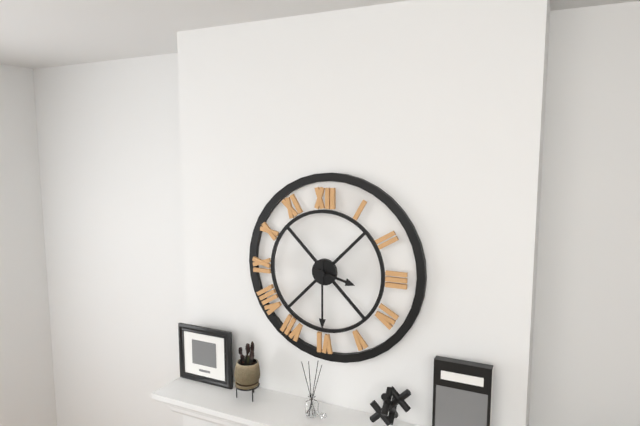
3.30
